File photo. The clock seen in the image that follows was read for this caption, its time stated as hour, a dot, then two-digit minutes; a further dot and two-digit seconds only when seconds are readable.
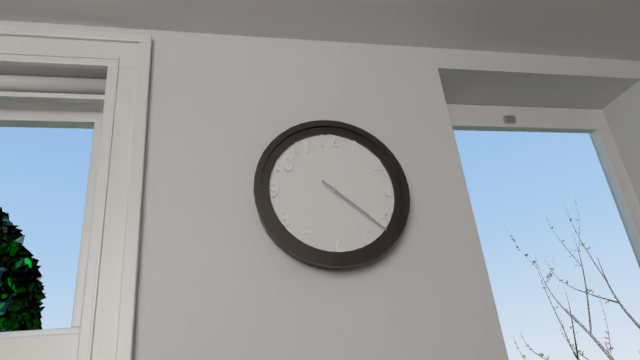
4.22
